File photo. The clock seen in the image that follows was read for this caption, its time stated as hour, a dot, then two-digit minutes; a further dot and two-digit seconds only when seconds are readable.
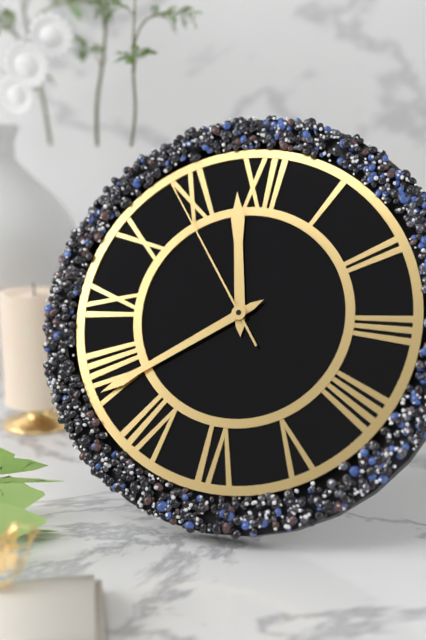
11.39.54
